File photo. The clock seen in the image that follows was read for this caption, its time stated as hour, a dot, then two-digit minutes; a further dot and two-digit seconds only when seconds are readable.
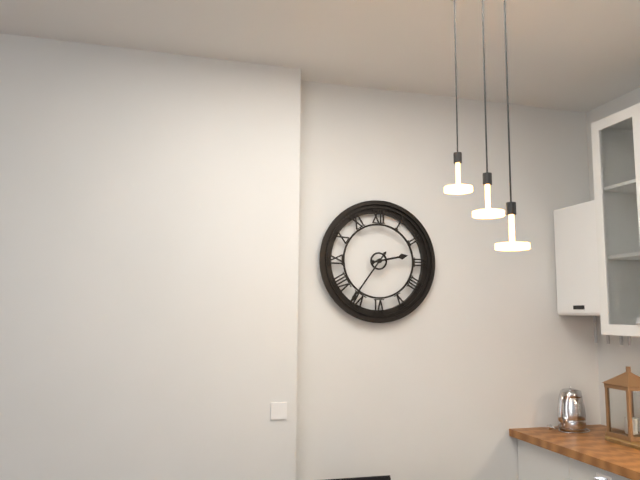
2.36
